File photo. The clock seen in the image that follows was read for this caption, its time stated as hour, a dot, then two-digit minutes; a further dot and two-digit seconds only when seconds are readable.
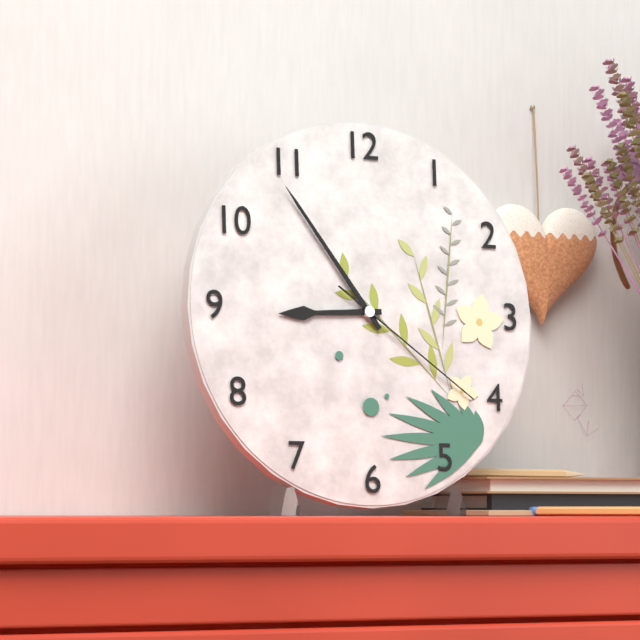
8.54.21
